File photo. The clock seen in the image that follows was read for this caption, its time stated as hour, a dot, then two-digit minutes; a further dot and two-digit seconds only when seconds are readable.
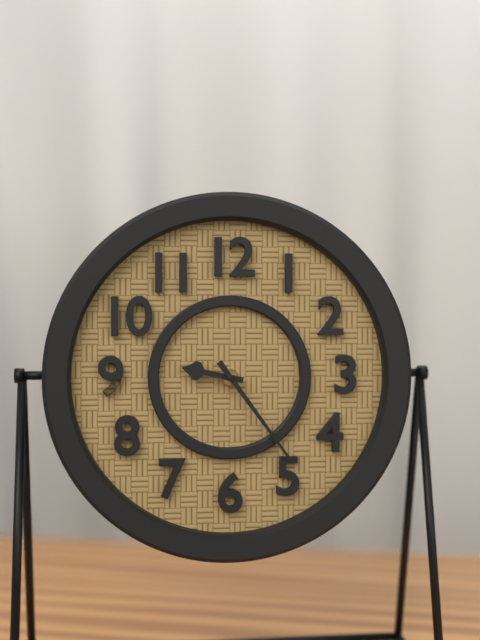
9.24
